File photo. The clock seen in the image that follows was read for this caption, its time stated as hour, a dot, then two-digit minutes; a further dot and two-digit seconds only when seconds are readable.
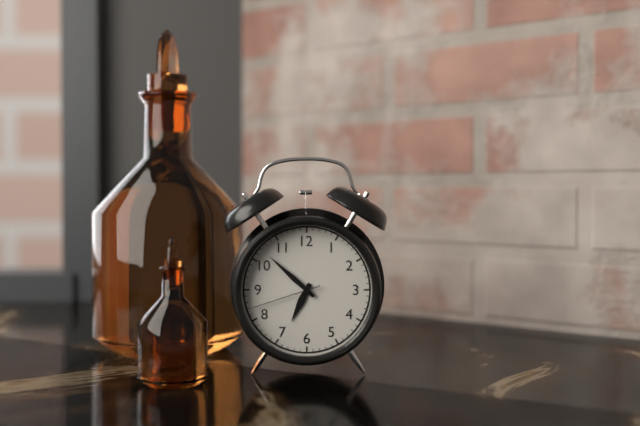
6.52.42
